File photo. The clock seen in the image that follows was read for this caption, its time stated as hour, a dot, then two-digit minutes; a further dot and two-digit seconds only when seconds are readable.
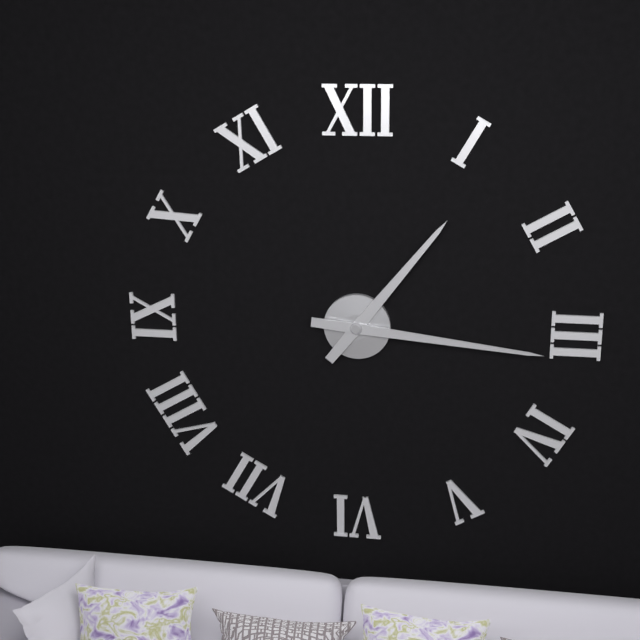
1.16
